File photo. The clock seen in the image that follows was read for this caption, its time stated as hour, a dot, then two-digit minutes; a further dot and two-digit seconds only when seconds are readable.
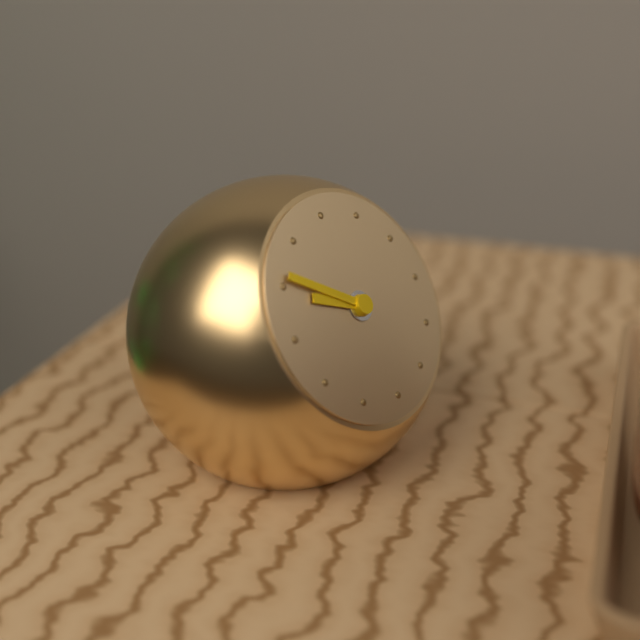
9.51
